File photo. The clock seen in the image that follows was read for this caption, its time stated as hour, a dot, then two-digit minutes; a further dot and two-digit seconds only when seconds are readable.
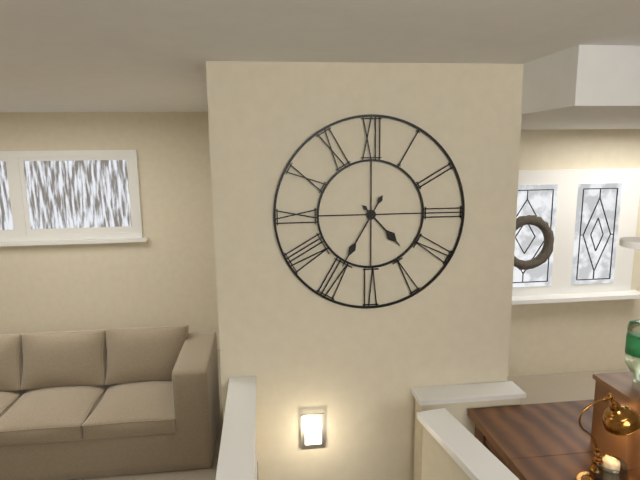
4.35
